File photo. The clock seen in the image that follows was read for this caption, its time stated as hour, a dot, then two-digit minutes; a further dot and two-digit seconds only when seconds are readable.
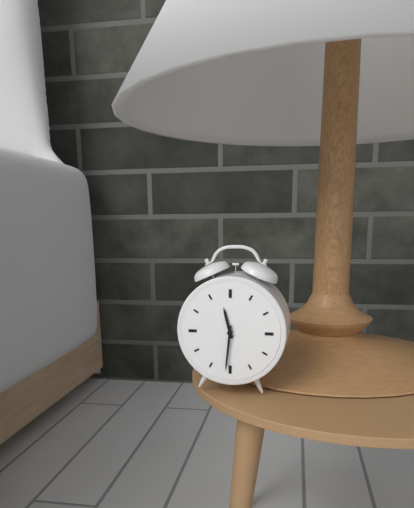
11.31
